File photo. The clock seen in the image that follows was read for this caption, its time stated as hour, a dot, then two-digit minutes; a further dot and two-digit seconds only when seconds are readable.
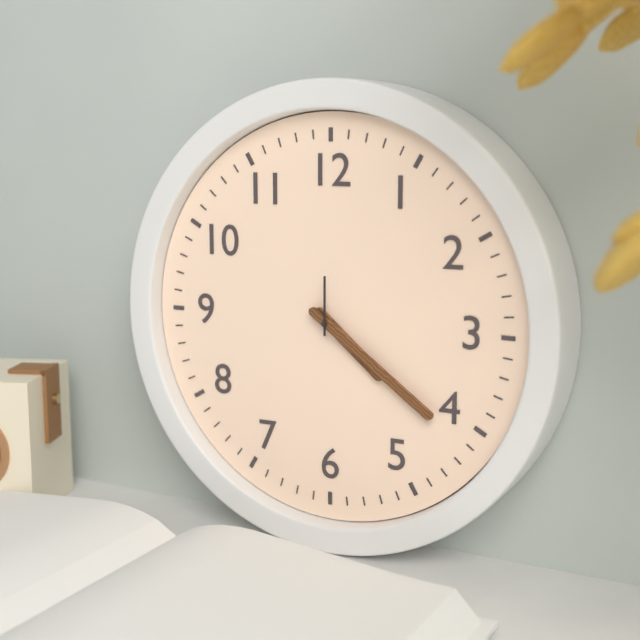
4.21.00
